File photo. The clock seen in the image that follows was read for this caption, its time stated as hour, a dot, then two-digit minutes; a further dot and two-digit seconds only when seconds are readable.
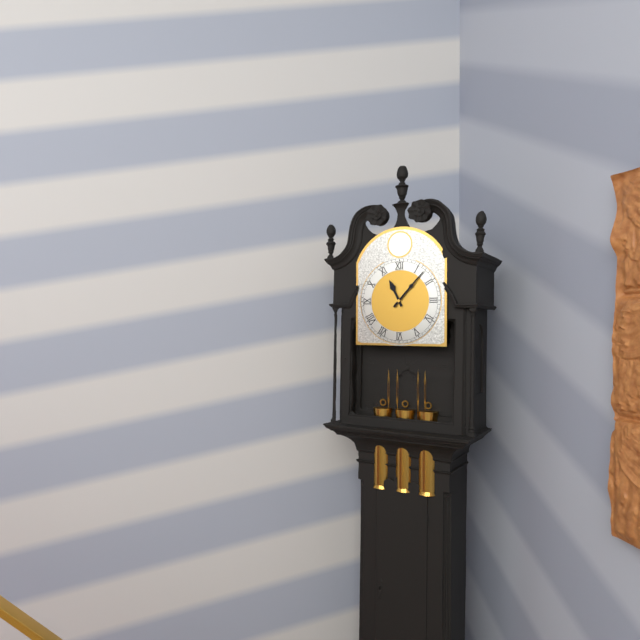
11.07
